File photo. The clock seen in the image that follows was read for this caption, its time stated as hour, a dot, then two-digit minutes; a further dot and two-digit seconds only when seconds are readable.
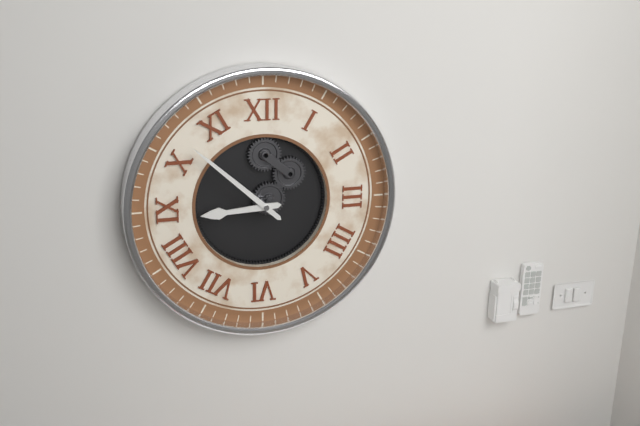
8.52
